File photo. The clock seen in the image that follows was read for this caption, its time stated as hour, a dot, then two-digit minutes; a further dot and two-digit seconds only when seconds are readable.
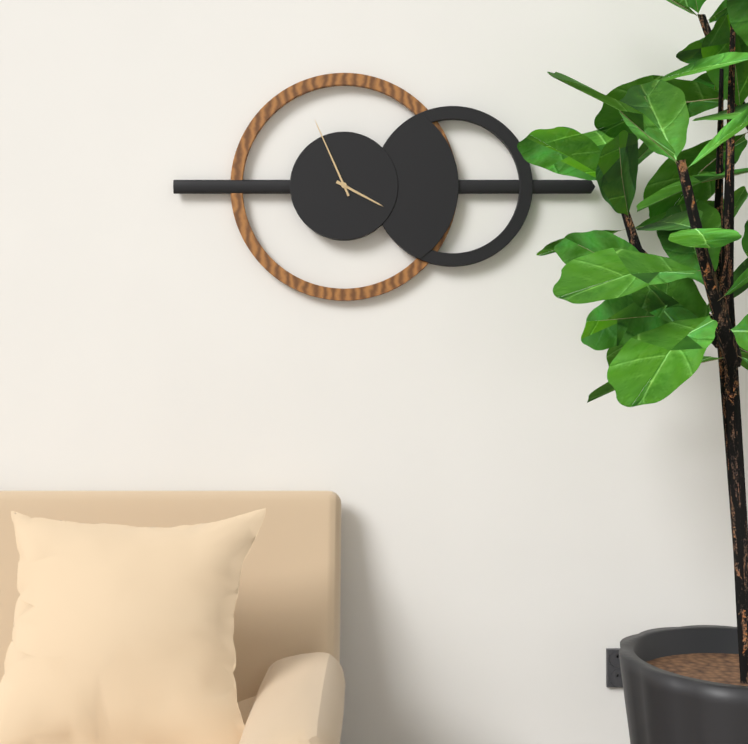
3.56
